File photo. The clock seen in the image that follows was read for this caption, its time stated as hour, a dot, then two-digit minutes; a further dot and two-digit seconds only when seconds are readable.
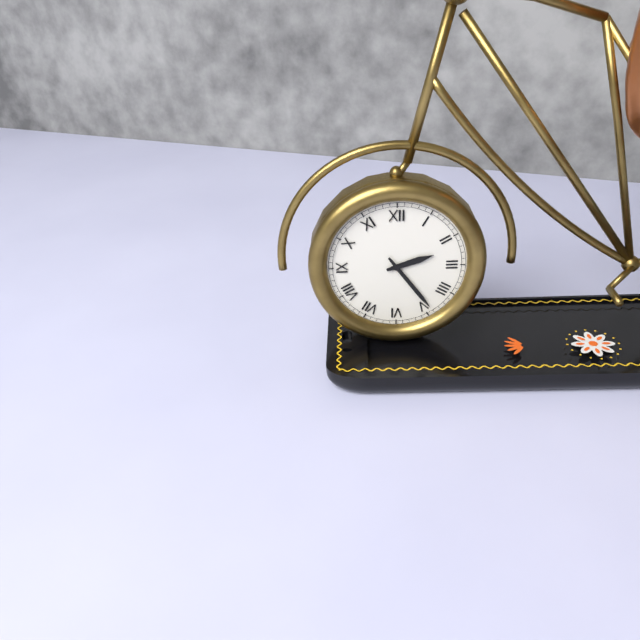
2.24
